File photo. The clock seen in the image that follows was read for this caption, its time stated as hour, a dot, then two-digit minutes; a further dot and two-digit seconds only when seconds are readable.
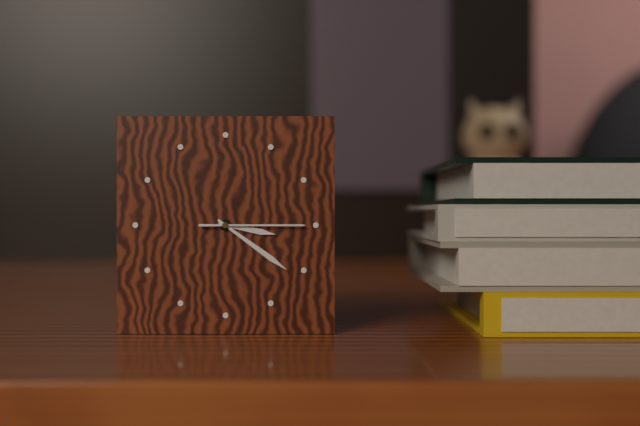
3.21.15
